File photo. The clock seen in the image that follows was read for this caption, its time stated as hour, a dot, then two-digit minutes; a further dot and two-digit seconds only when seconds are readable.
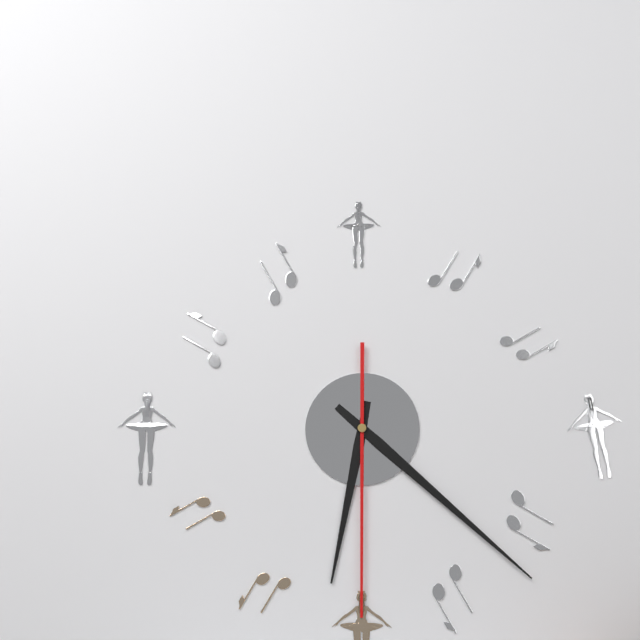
6.22.30
